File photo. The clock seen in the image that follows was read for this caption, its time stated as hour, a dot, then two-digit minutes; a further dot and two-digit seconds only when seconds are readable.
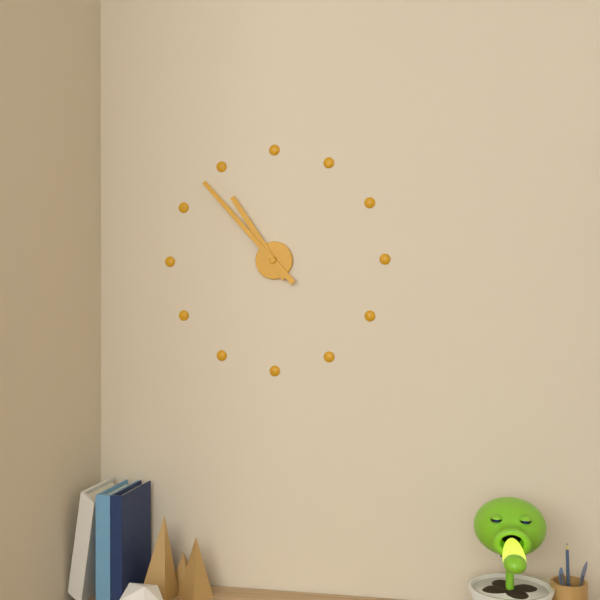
10.53
